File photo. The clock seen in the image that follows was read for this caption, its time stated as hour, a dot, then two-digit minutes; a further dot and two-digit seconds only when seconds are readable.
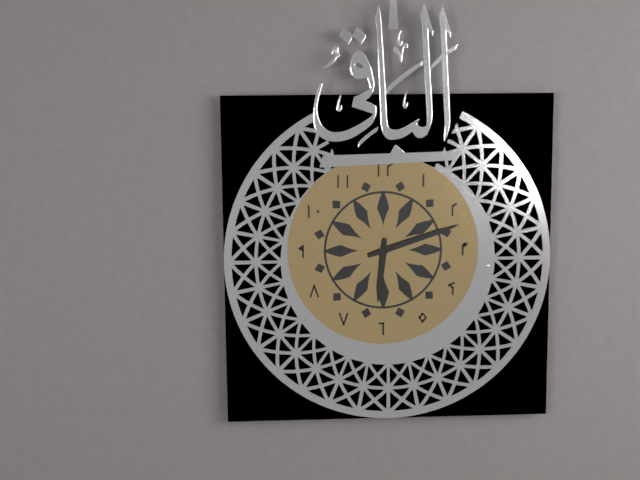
6.12
